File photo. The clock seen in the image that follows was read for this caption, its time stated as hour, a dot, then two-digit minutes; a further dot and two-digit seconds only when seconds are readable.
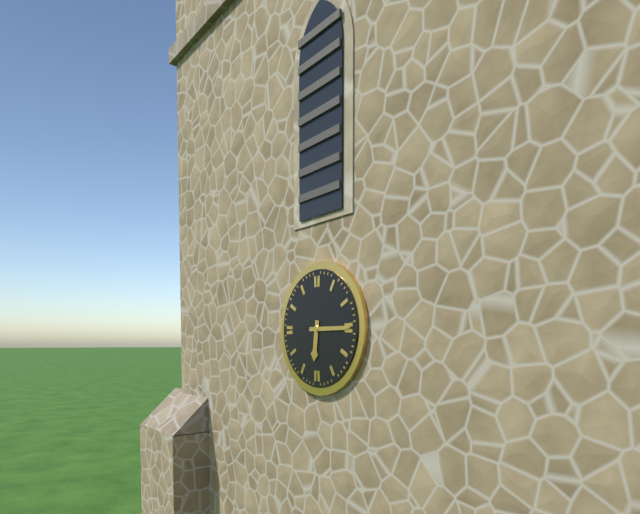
6.15
